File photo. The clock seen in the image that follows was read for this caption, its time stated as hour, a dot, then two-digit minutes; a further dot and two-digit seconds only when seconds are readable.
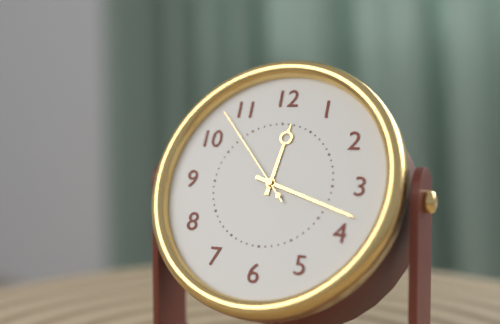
12.18.53
